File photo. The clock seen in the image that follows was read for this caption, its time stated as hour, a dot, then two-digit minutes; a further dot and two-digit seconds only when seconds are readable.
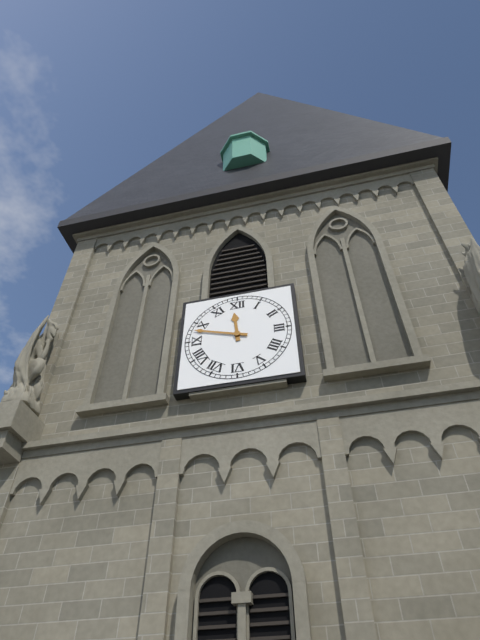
11.48
